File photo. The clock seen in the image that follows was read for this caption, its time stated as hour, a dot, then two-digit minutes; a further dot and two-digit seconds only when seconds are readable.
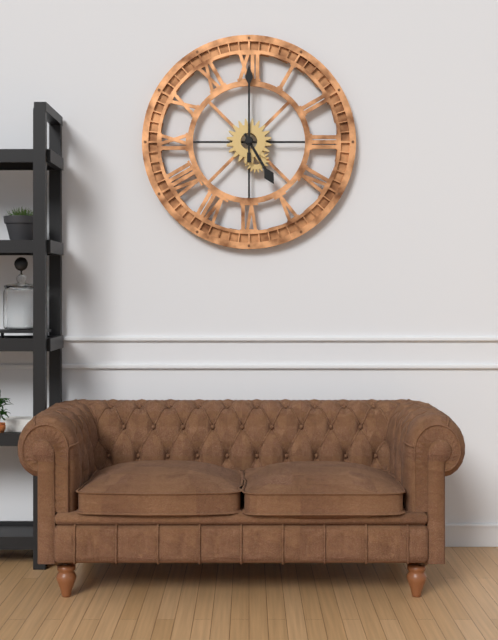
5.00
